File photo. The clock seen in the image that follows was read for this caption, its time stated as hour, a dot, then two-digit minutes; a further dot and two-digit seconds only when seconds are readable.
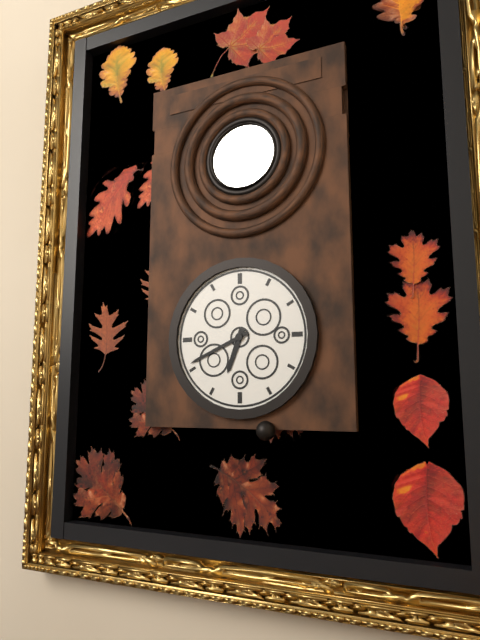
6.41
